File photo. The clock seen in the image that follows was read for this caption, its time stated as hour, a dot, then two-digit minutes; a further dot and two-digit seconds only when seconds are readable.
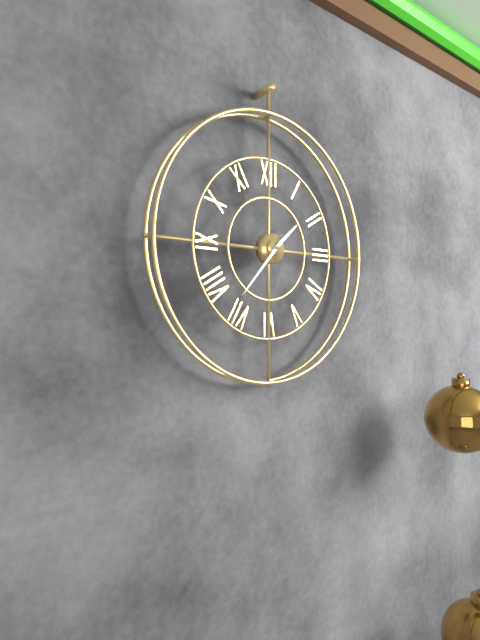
1.37
